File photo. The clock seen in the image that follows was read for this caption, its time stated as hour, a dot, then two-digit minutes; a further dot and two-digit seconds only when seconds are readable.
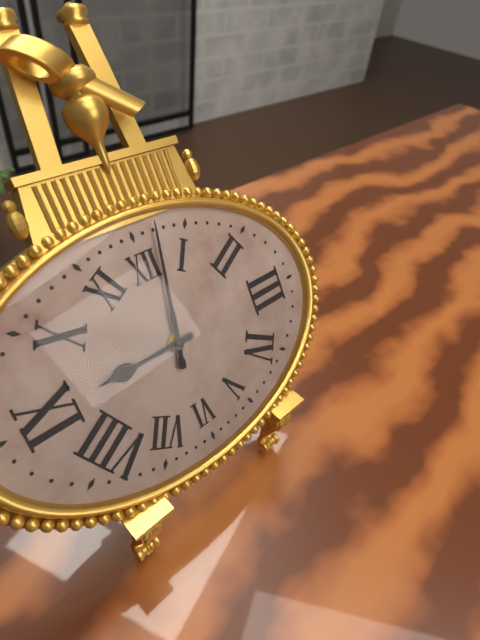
9.02
